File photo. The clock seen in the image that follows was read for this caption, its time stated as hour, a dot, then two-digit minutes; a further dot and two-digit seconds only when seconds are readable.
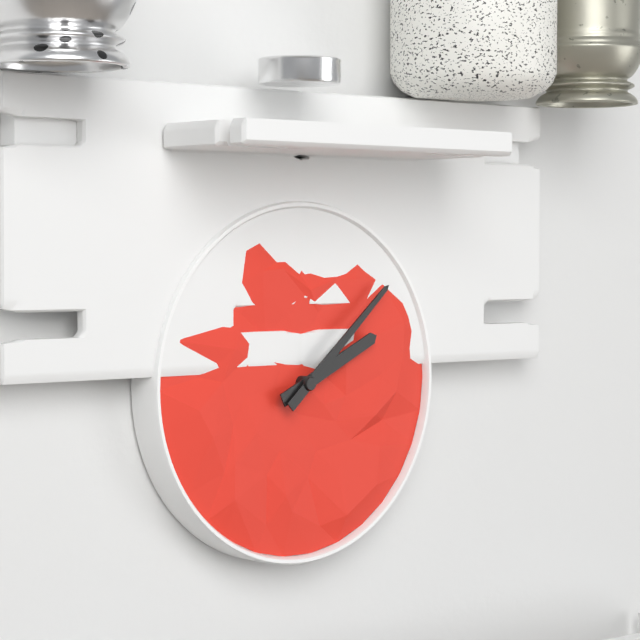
2.08
